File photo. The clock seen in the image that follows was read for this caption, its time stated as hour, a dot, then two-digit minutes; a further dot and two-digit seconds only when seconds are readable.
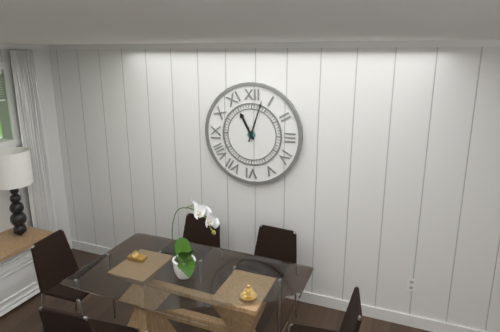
11.03
